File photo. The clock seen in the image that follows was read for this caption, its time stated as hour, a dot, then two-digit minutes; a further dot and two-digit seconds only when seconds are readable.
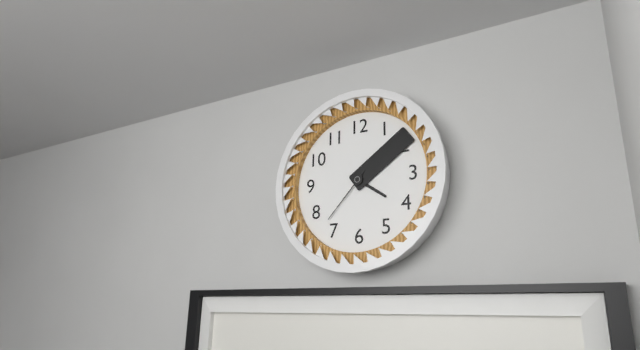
4.09.37
